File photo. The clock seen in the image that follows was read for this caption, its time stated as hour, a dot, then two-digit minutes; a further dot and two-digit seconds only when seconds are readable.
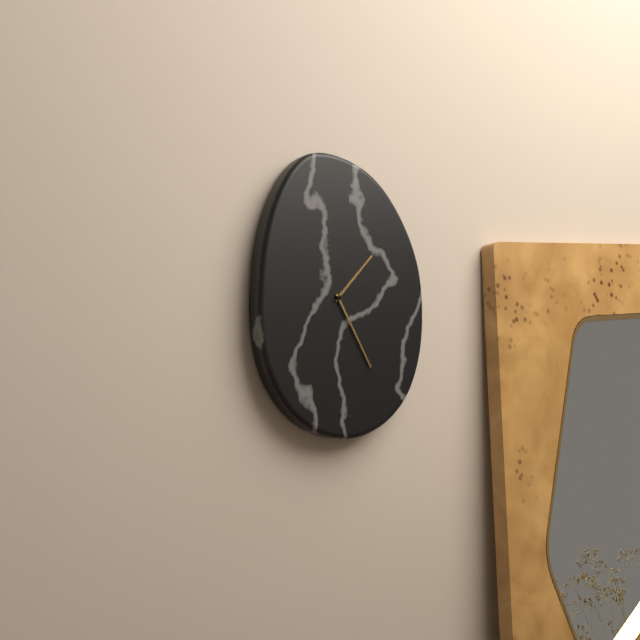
1.25
